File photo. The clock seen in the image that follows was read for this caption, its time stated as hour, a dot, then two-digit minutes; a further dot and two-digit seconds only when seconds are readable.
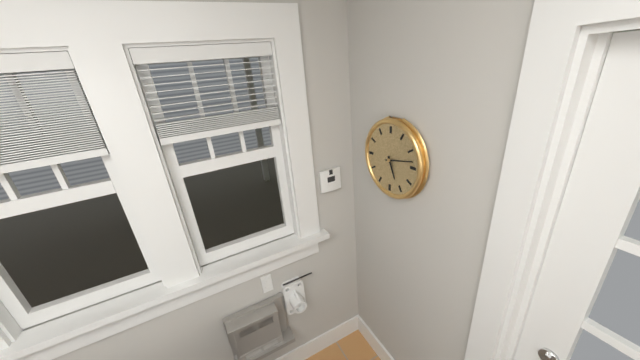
5.13
